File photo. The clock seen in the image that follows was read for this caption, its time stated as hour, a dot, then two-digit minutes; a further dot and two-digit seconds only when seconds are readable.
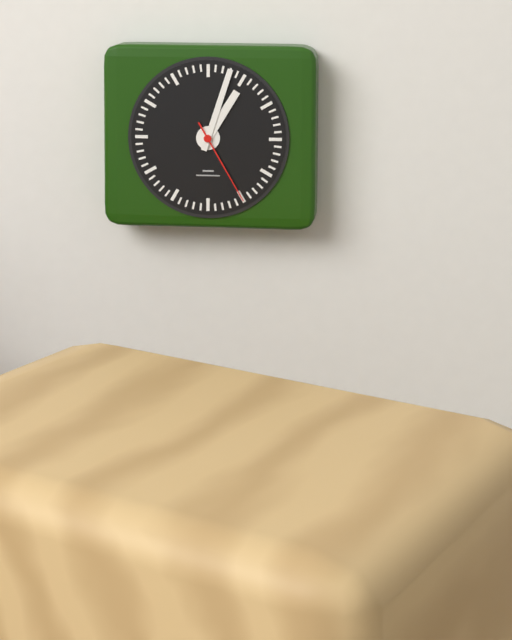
1.03.25
